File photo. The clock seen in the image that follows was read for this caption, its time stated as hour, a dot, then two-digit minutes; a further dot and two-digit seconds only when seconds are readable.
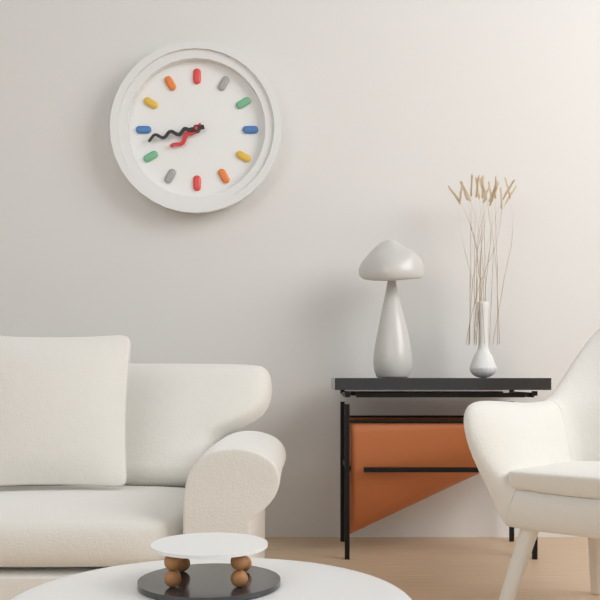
7.43
